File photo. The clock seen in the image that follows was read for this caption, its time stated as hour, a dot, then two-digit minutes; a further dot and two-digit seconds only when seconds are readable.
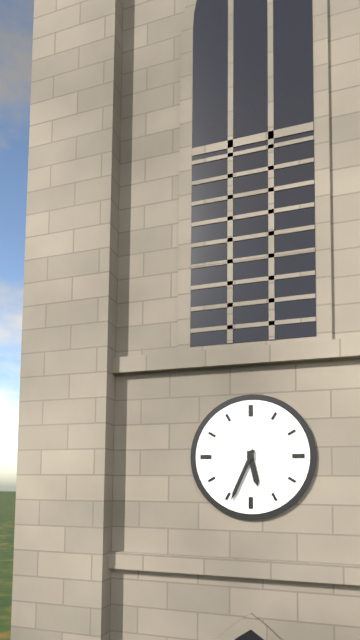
5.34
